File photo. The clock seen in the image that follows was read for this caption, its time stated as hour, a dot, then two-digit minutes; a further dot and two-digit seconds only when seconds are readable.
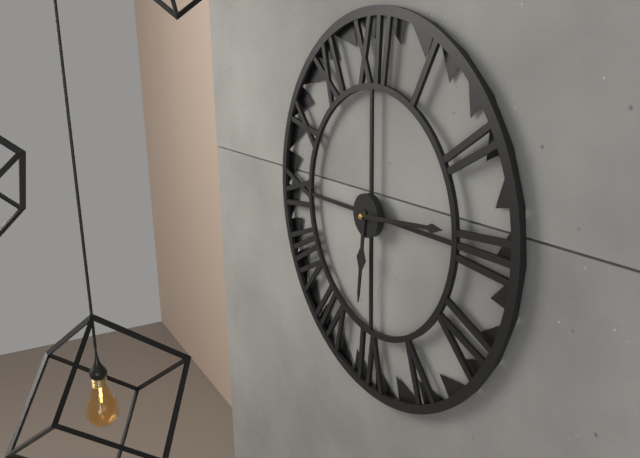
6.14
